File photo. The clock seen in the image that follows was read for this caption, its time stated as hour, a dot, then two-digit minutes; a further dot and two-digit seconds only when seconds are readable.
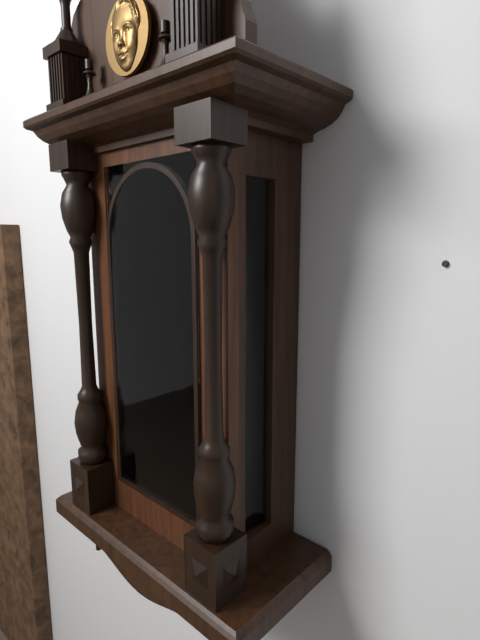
12.27
